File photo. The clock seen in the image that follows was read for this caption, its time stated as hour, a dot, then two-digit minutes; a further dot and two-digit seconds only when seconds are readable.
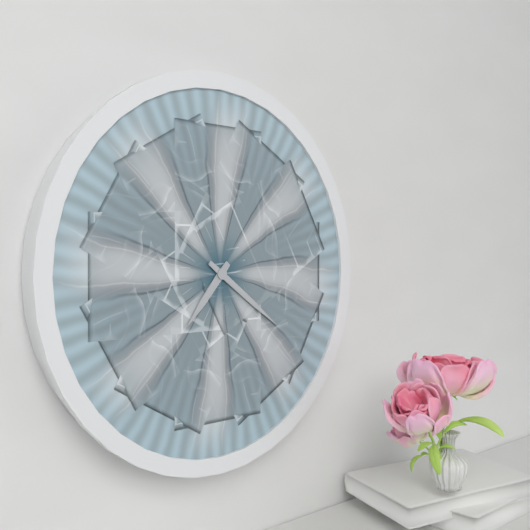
7.21
